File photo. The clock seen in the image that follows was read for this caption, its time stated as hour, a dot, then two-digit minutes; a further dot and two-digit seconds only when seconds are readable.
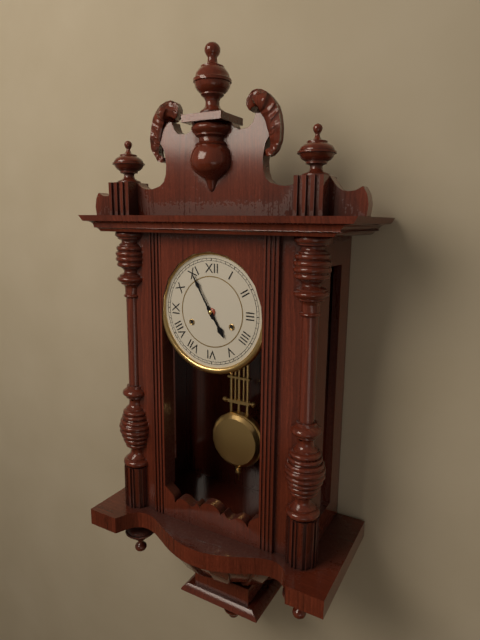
4.55
